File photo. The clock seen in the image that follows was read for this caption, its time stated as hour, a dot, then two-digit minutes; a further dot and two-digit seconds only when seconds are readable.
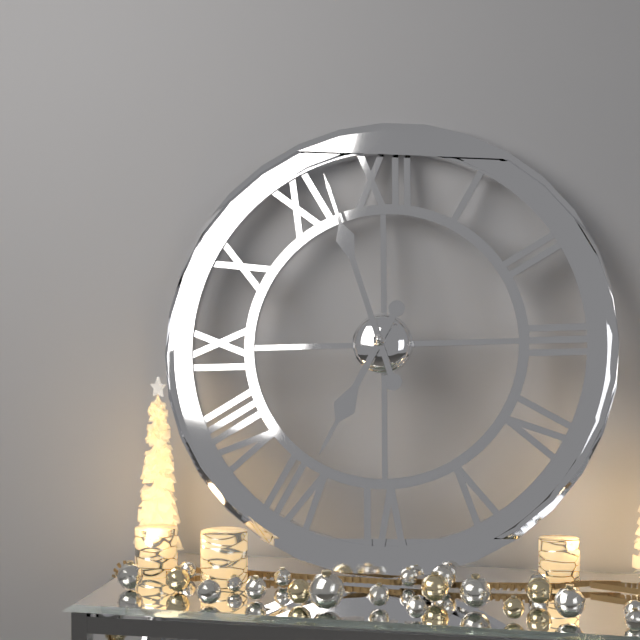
6.57
